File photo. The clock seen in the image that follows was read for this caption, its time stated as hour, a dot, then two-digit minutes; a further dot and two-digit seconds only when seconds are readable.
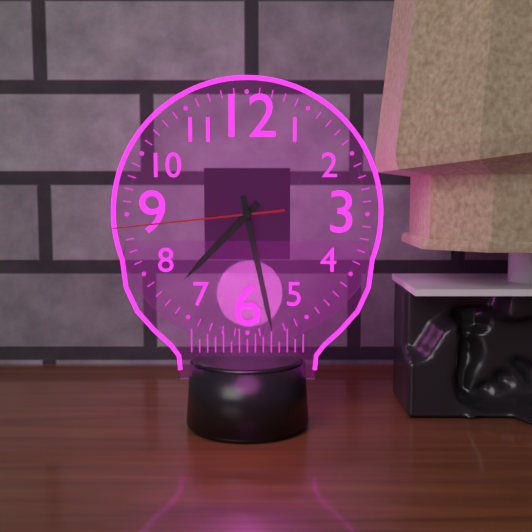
7.28.44
